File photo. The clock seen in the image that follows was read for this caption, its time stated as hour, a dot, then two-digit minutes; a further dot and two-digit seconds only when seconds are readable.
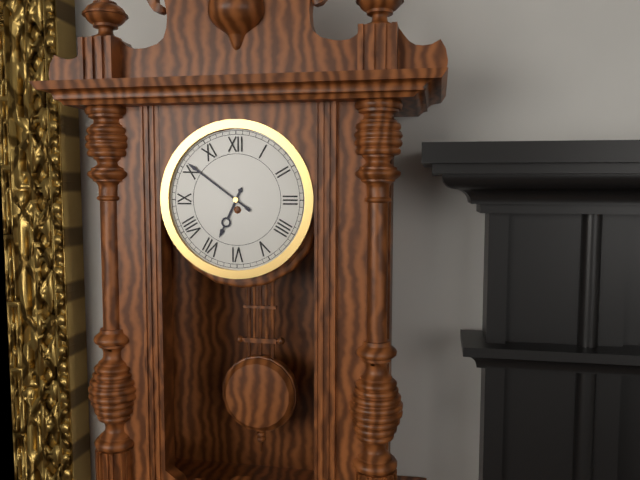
6.51
